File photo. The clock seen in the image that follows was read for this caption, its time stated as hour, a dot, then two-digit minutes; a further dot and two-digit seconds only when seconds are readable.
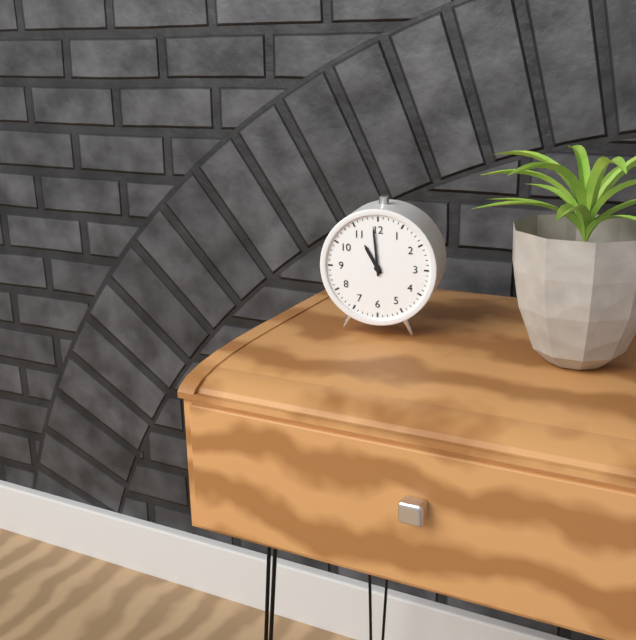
10.59
